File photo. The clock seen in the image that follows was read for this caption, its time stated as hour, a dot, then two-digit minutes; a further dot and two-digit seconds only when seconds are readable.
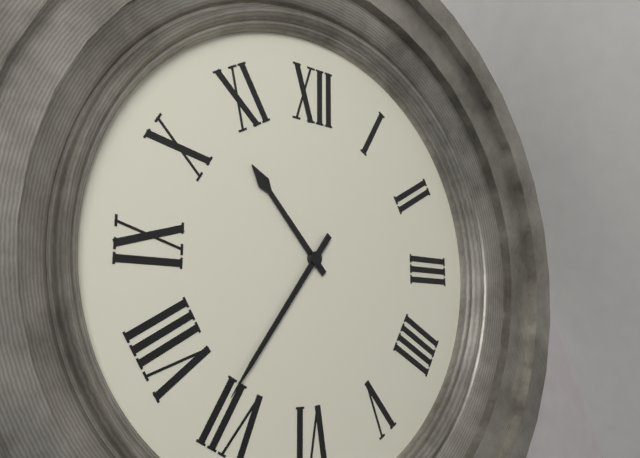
10.36
